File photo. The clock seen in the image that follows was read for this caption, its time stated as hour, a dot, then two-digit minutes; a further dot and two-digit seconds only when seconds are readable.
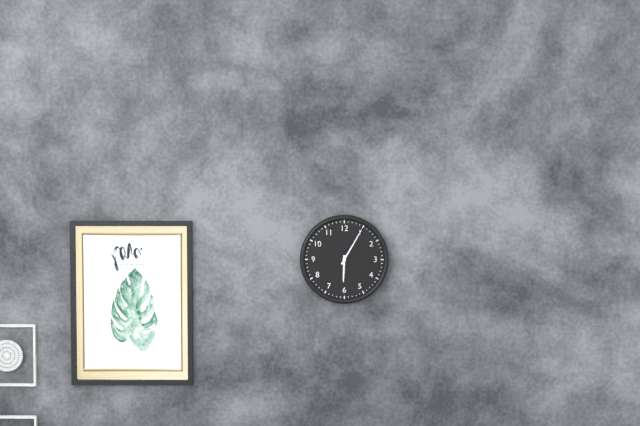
6.05
